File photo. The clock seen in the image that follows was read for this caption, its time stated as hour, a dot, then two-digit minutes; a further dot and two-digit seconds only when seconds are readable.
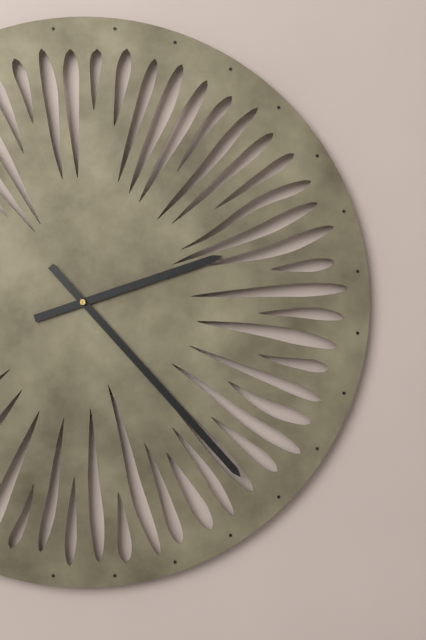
2.23
